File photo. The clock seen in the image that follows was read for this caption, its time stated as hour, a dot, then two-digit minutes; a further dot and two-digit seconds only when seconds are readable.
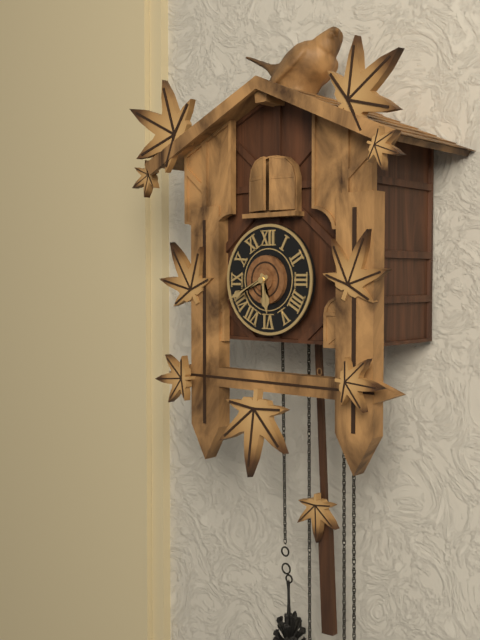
5.41
